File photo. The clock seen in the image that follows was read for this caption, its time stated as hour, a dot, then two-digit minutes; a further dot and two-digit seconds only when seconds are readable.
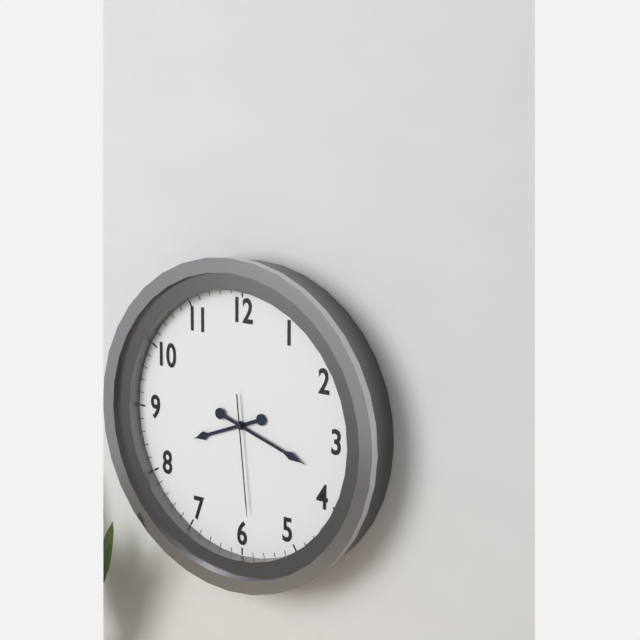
8.18.29
